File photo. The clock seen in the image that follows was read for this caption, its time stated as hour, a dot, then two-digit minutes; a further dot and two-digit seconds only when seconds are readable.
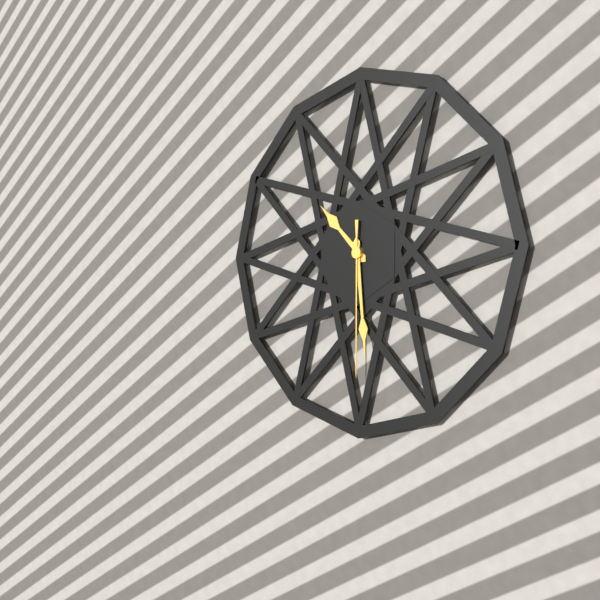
10.29.30
